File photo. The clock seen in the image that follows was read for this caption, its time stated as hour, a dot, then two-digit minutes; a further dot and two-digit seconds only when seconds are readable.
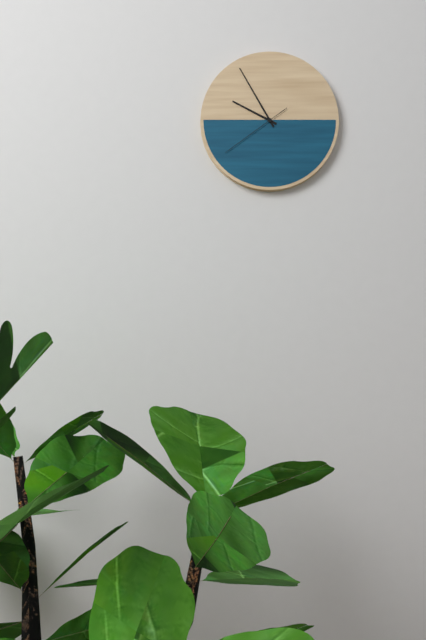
9.55.39
